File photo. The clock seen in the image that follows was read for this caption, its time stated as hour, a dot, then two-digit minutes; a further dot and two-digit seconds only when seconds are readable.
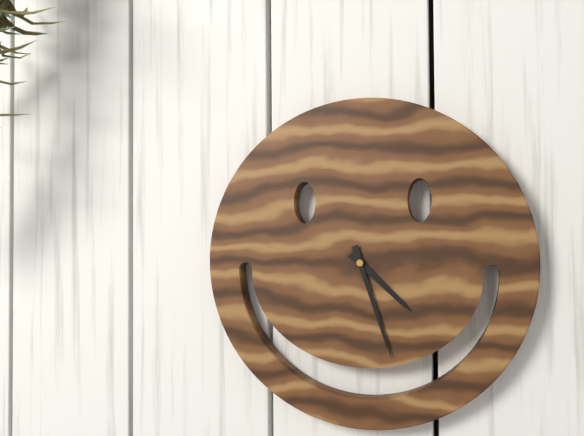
4.27
